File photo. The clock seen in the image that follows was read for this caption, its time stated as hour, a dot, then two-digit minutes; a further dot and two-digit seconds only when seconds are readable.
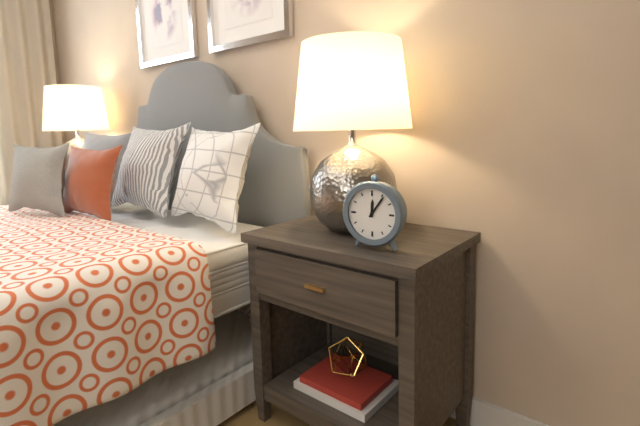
12.06
